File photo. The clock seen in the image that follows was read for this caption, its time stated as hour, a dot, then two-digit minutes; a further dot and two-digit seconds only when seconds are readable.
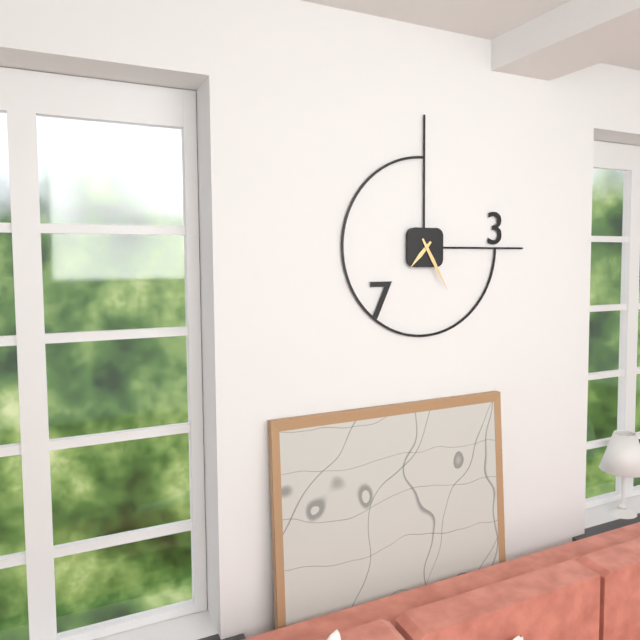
7.25
